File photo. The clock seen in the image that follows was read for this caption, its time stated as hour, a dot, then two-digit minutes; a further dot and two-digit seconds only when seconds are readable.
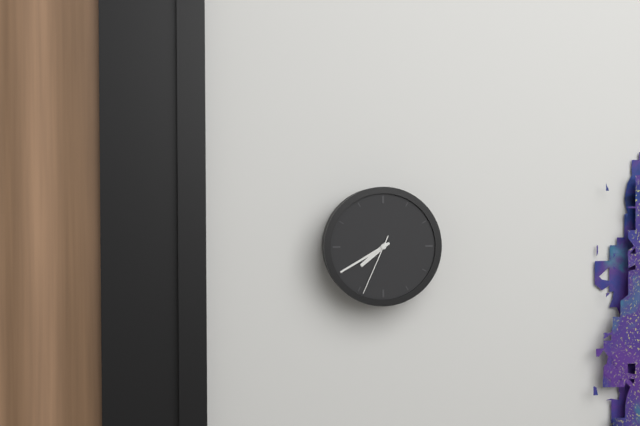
7.40.34
